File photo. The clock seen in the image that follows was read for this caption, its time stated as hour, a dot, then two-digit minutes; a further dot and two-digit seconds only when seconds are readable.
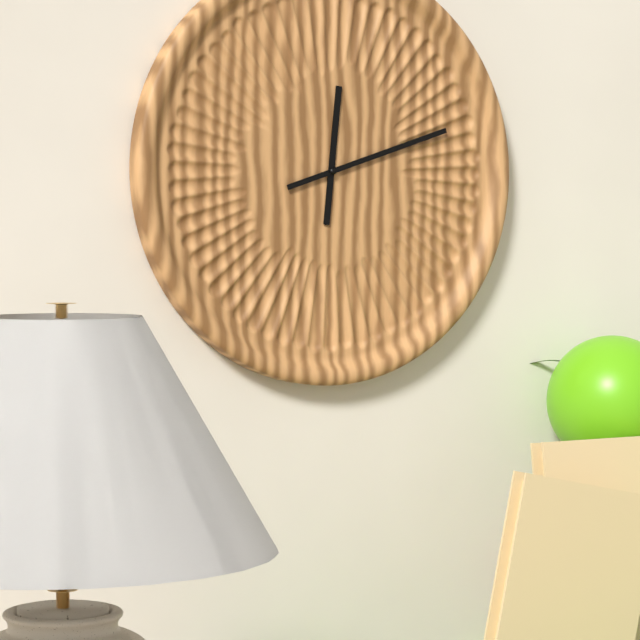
12.12
